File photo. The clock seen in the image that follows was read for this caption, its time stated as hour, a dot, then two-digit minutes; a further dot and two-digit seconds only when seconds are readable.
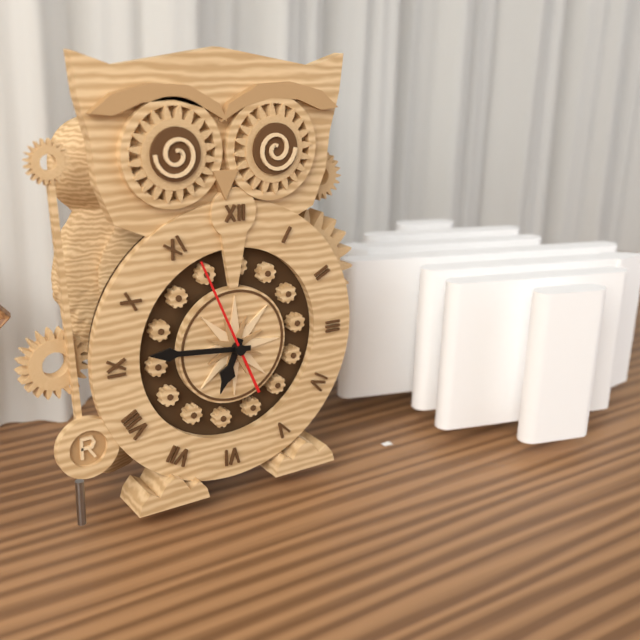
6.46.56
